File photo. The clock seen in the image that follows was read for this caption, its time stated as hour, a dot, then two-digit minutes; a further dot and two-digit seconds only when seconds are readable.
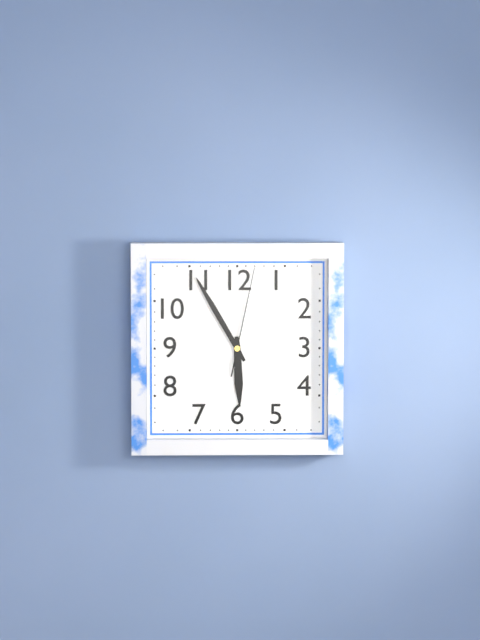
5.55.02
